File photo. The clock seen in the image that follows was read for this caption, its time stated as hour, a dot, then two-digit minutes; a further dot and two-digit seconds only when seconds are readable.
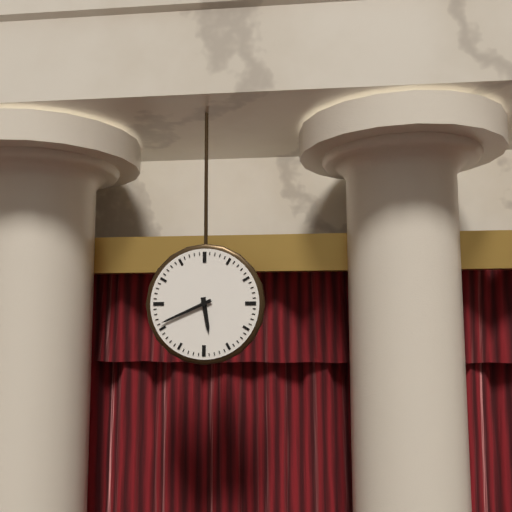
5.41
